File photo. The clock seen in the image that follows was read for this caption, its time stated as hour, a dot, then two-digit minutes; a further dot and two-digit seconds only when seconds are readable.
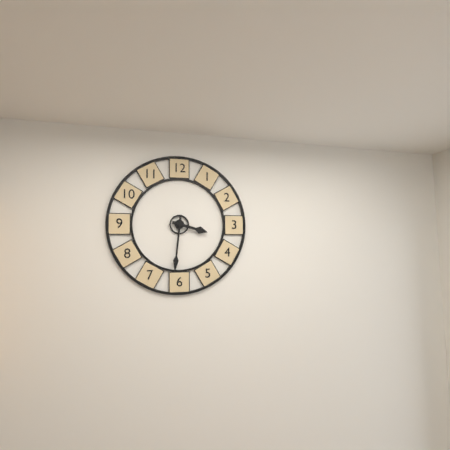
3.31
